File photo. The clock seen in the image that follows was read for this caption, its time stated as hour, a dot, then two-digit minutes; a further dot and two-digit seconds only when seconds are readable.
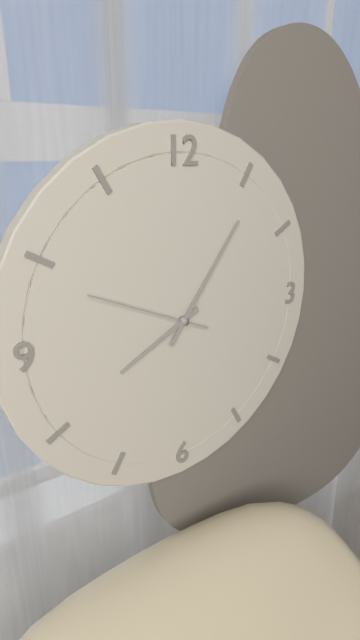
8.06.49
